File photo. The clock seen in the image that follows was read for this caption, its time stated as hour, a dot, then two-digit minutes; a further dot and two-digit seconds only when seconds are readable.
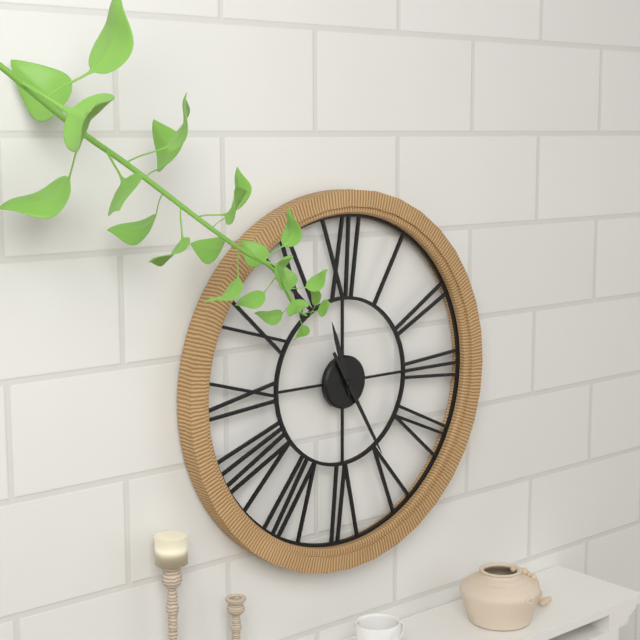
11.25
